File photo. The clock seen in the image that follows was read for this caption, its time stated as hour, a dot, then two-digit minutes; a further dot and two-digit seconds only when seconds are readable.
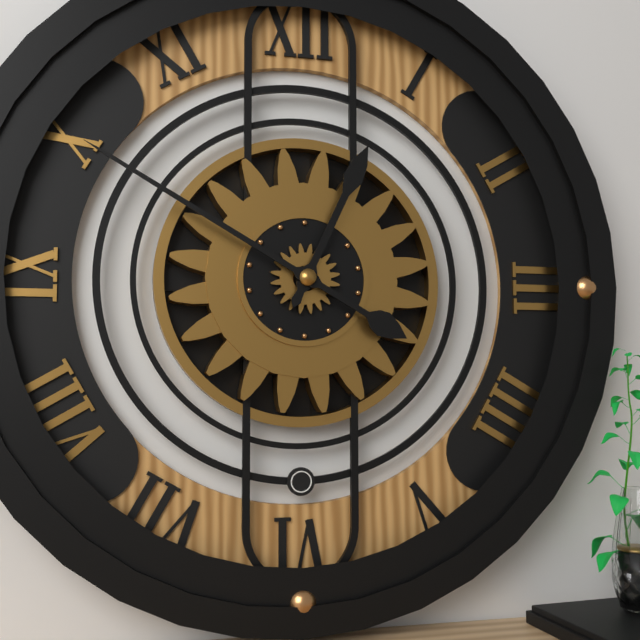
12.50
